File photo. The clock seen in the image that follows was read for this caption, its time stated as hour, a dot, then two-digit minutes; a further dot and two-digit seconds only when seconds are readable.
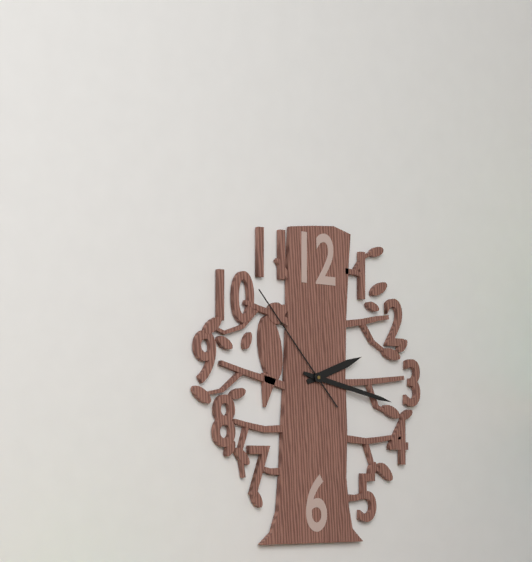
2.17.53
